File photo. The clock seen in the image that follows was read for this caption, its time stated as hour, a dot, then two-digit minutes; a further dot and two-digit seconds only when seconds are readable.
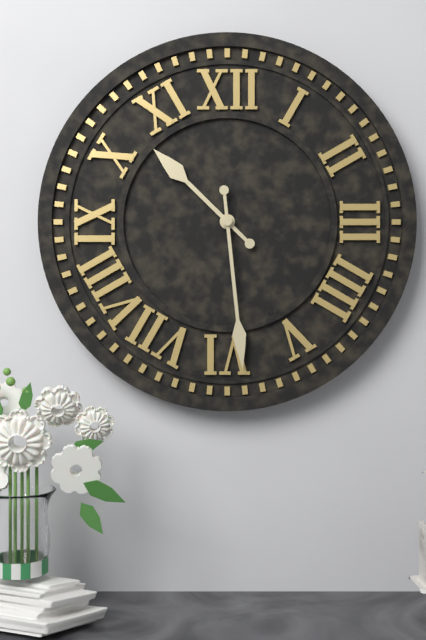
10.29
